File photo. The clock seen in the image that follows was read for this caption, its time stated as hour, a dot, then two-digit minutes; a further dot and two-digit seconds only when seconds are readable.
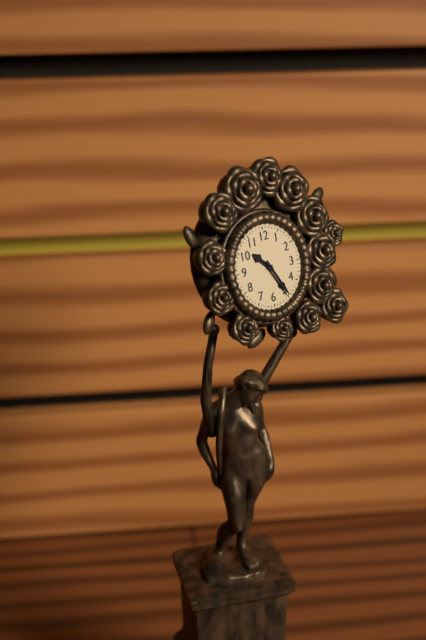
10.25
